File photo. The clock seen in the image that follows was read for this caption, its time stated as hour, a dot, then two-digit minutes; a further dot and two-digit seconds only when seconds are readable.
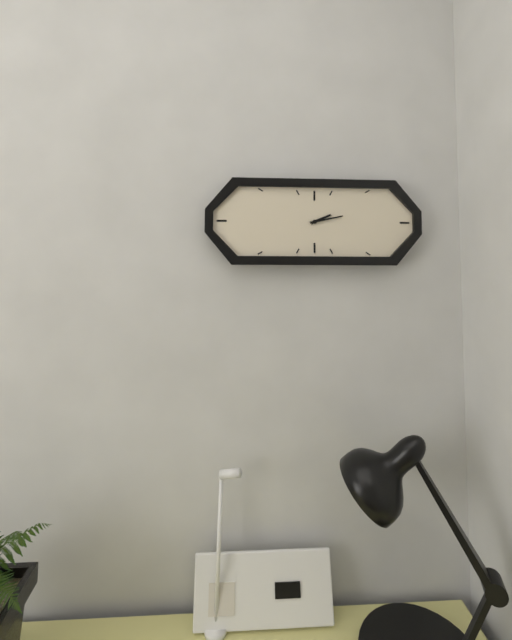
2.13
